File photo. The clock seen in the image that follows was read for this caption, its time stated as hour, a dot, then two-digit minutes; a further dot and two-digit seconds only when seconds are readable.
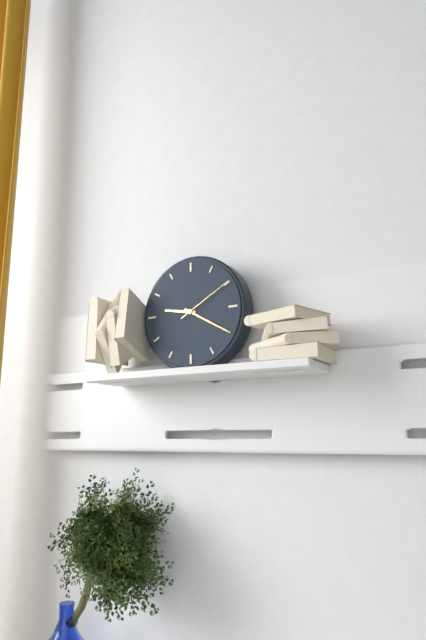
9.20.10
